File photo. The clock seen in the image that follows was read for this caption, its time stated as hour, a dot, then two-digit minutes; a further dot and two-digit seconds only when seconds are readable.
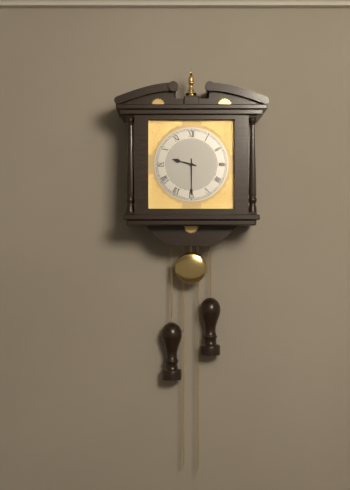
9.30
